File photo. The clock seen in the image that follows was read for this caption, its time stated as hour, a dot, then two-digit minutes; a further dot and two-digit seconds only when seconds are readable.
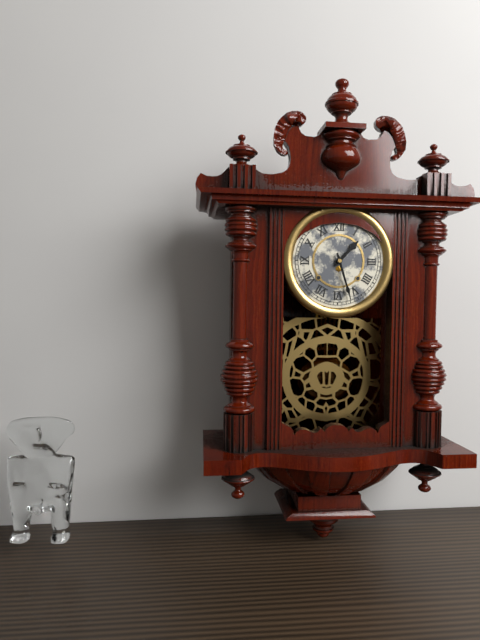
1.27
